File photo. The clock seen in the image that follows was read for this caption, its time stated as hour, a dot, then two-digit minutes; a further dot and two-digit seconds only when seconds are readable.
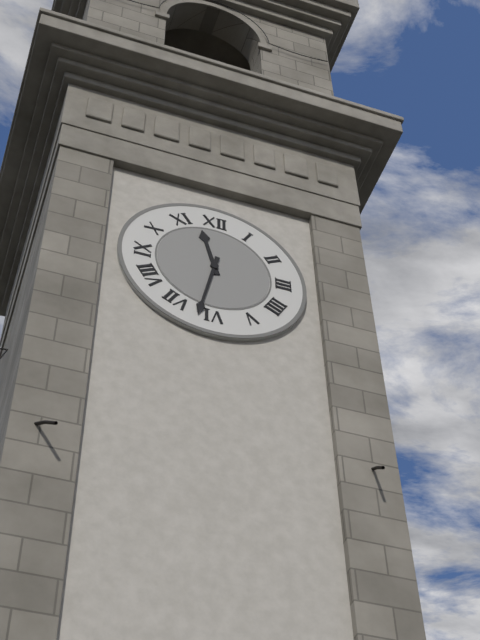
11.32
